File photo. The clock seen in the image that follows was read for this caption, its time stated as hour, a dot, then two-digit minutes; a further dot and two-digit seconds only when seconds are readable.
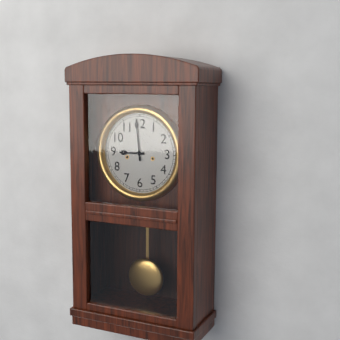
8.59
